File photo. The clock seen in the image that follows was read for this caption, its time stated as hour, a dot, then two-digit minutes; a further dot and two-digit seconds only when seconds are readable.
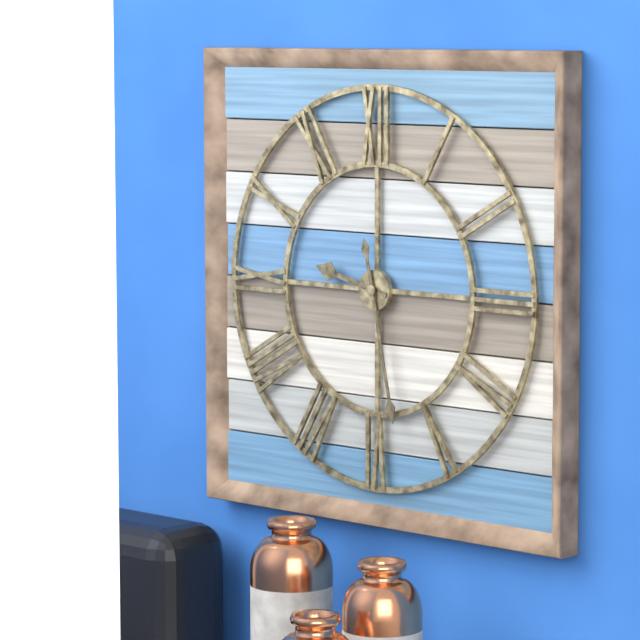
9.28
